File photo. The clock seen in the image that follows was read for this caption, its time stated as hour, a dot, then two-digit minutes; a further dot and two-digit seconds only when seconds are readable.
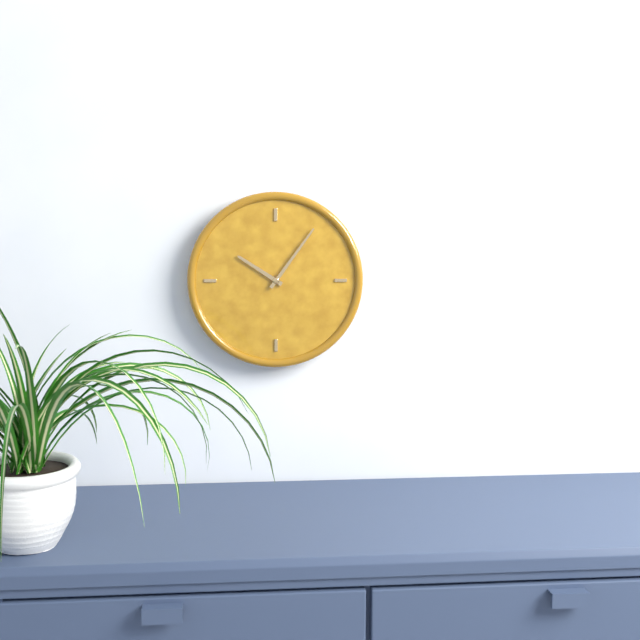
10.06
